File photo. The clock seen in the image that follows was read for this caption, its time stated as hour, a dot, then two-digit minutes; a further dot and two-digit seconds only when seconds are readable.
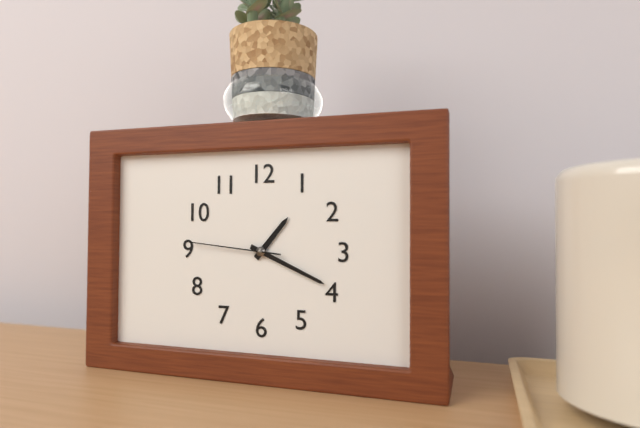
1.19.46
